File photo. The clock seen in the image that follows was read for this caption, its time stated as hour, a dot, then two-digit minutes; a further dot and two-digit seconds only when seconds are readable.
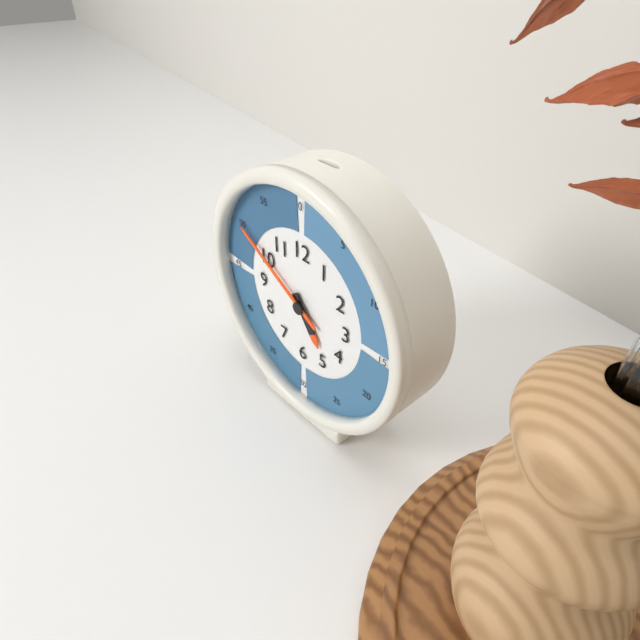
4.50
